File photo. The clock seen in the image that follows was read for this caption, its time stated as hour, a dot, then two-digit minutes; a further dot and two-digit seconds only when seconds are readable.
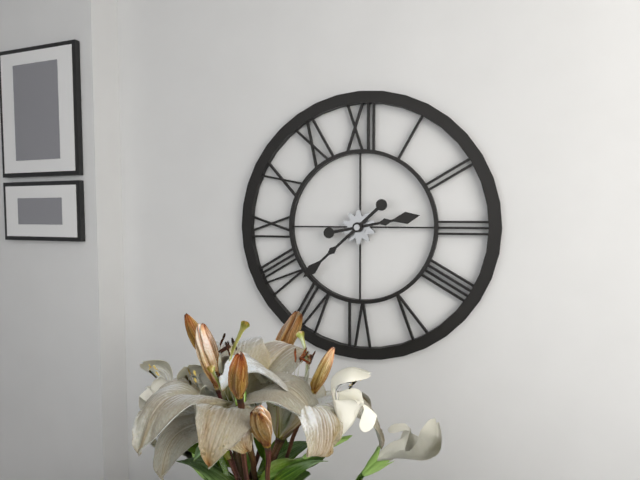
2.38
